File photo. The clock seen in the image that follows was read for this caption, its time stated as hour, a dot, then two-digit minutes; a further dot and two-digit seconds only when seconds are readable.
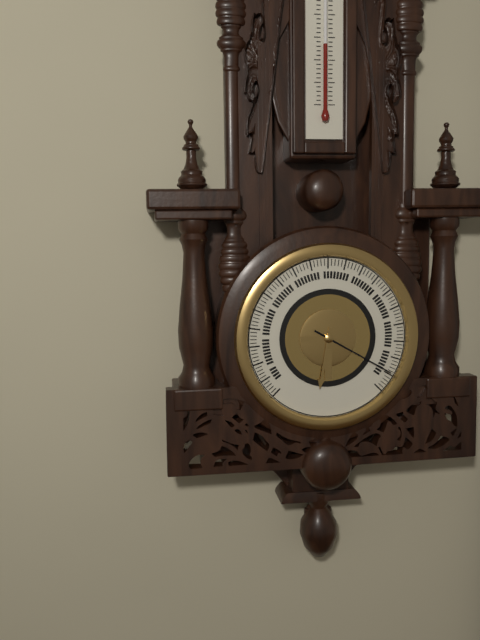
6.20
